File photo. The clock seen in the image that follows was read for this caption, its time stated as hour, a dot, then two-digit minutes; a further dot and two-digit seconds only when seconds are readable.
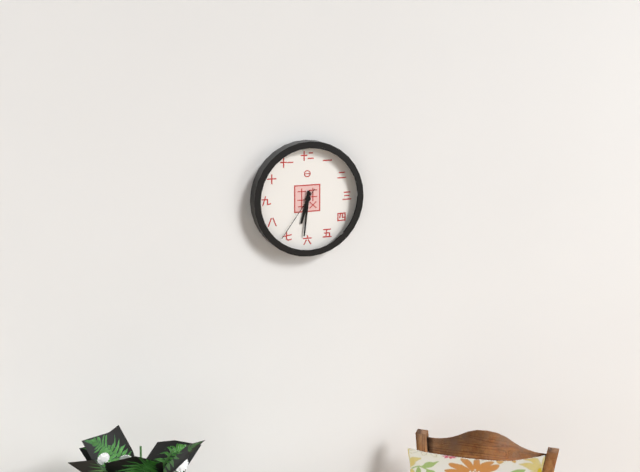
6.31.36
